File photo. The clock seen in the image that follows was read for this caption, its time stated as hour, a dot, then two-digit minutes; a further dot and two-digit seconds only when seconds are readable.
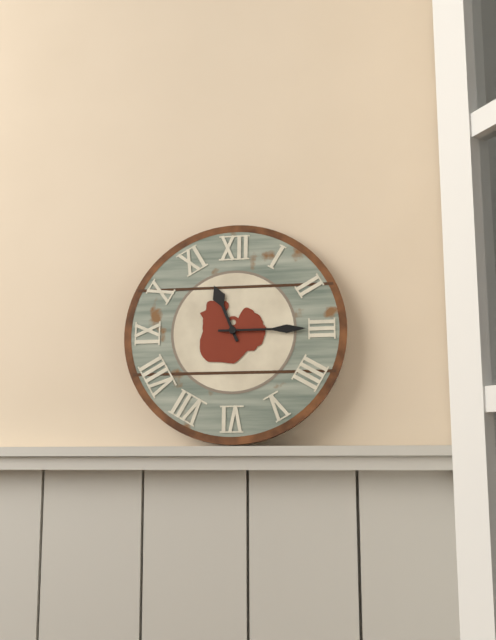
11.15
